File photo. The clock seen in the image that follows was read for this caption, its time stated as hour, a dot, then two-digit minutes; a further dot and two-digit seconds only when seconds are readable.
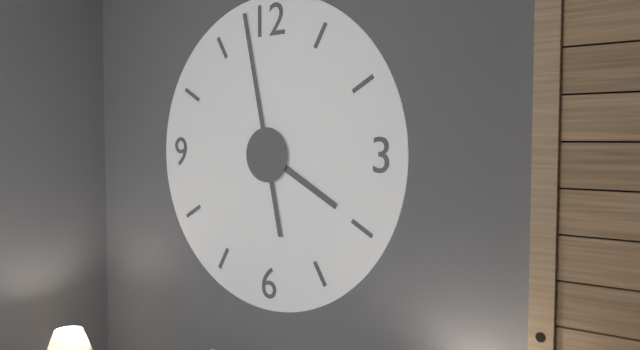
3.58
